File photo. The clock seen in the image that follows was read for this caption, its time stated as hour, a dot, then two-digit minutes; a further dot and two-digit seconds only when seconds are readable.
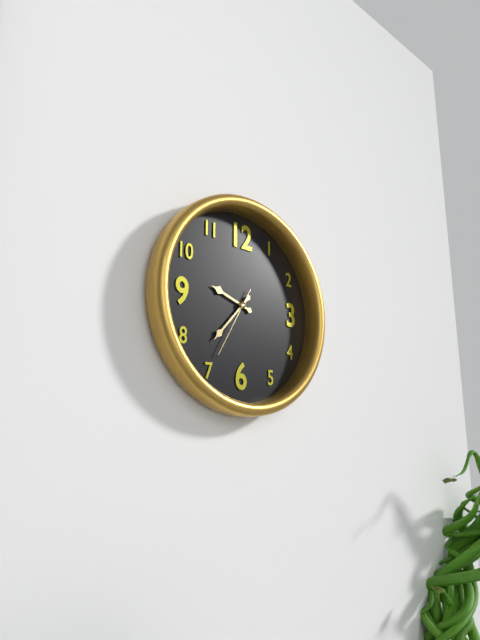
9.37.35
